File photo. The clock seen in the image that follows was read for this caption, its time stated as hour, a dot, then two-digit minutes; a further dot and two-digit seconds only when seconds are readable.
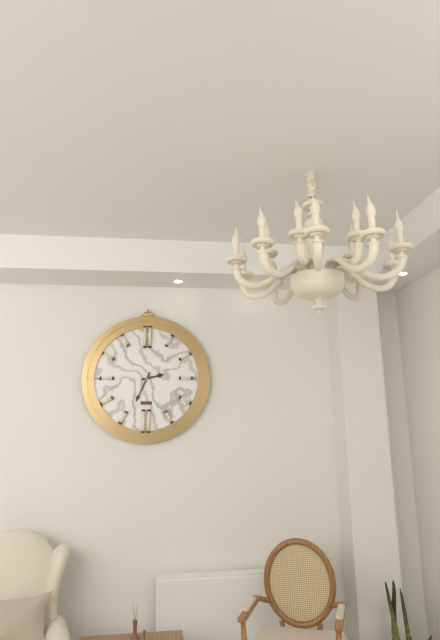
2.34
